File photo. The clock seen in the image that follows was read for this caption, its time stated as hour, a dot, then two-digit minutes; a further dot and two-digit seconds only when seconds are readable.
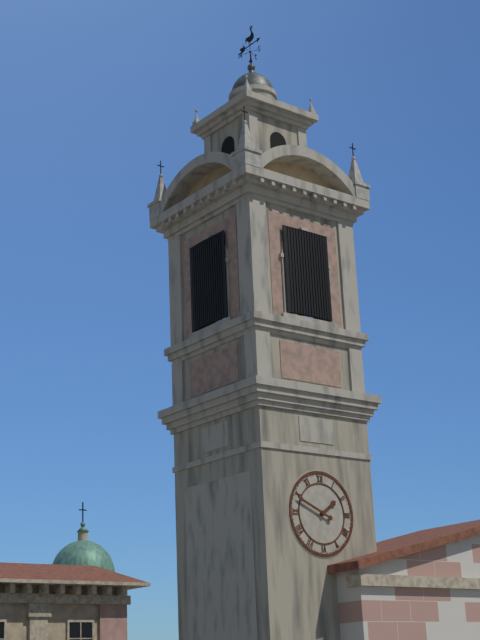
1.49
